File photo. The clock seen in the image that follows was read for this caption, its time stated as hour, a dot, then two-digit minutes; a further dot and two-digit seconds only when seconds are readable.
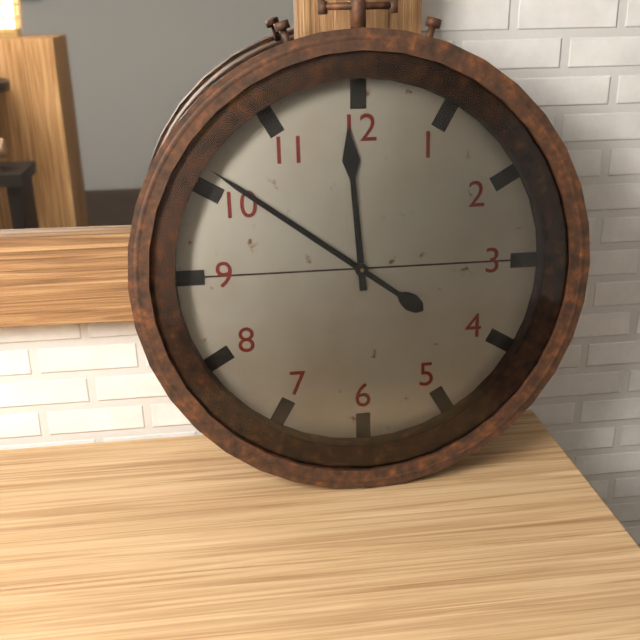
11.51
